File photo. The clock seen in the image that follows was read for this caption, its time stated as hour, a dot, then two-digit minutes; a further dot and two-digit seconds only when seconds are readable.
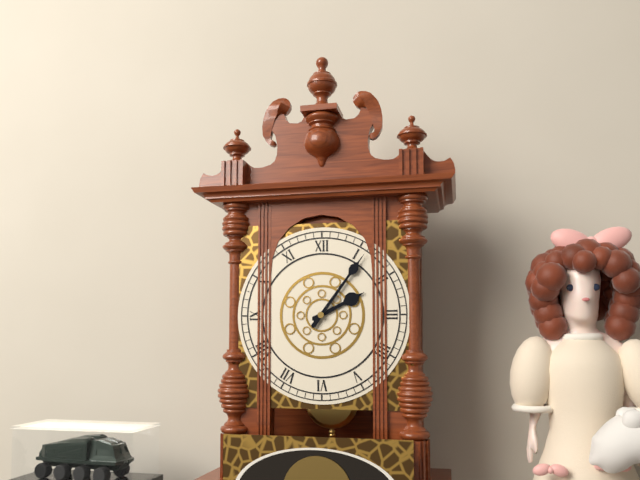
2.06
